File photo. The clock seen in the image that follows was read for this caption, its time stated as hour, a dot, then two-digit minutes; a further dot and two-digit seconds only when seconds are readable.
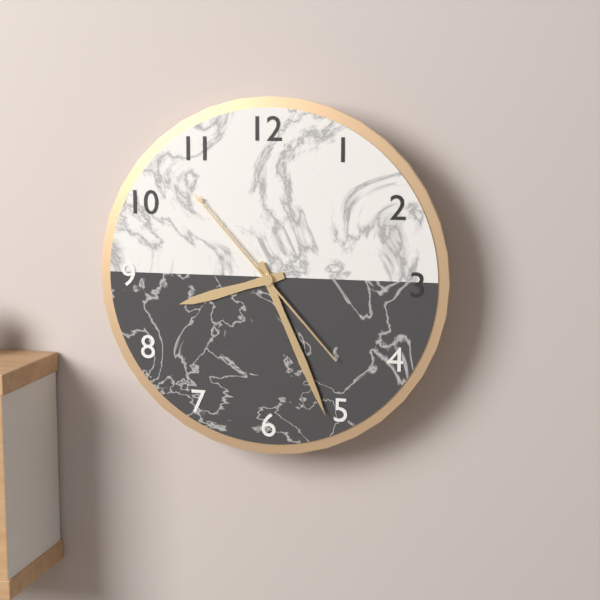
8.26.53
